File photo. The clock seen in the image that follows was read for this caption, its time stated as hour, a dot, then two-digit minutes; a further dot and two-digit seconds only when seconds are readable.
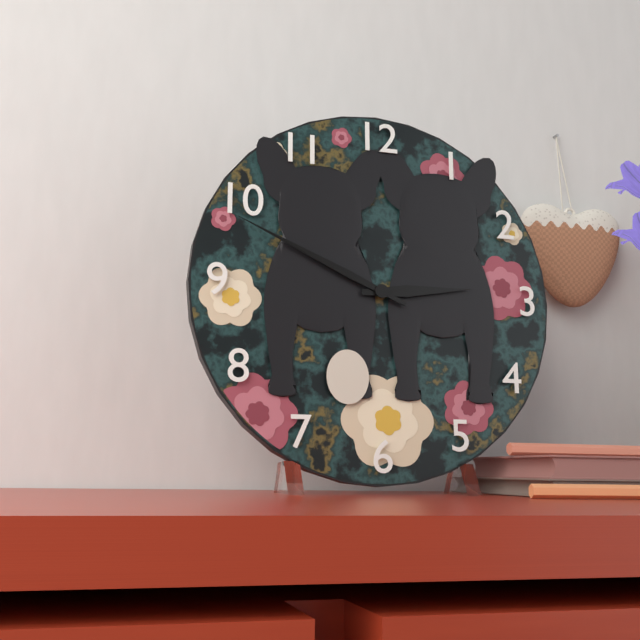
2.49
